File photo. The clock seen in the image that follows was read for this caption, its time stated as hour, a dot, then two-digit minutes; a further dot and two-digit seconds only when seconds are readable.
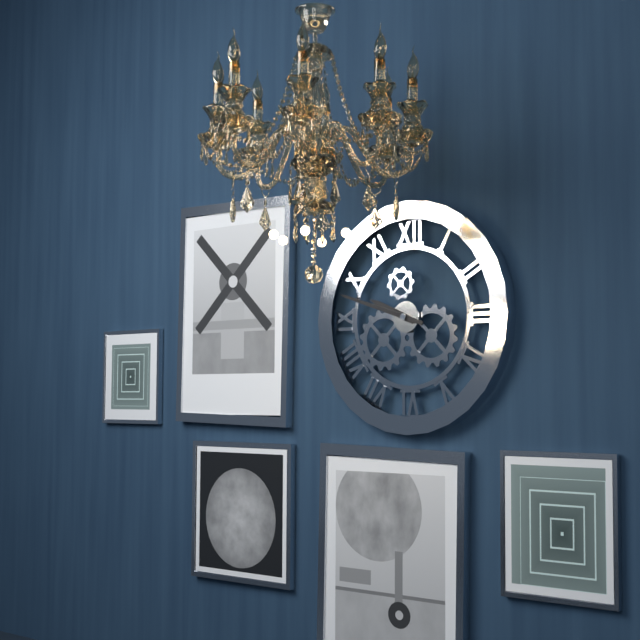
9.48
